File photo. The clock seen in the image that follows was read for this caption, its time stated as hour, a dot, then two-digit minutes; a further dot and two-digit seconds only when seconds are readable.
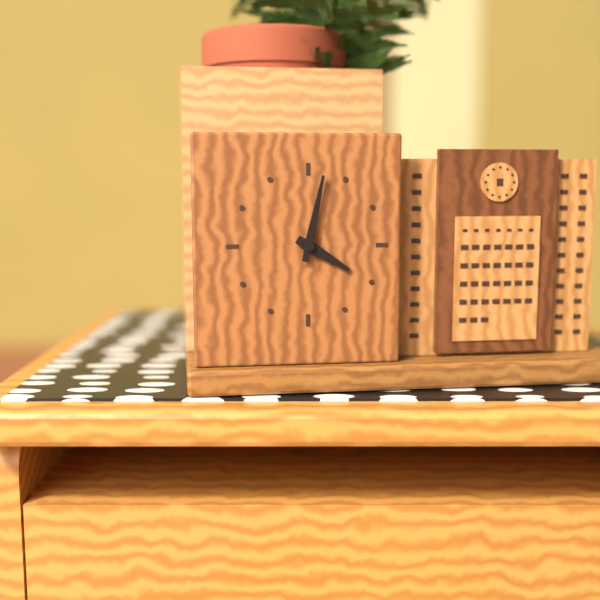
4.02
